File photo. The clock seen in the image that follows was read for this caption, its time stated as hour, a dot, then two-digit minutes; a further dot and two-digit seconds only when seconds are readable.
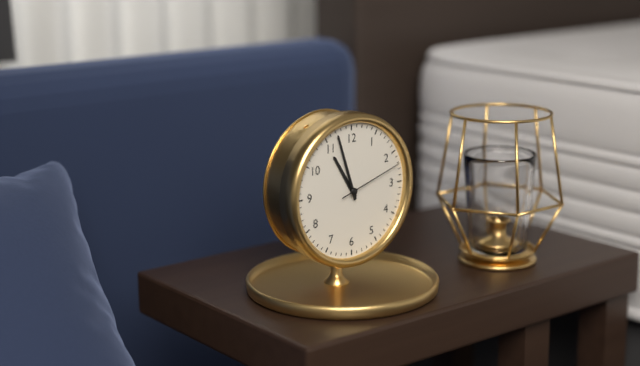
10.57.12
